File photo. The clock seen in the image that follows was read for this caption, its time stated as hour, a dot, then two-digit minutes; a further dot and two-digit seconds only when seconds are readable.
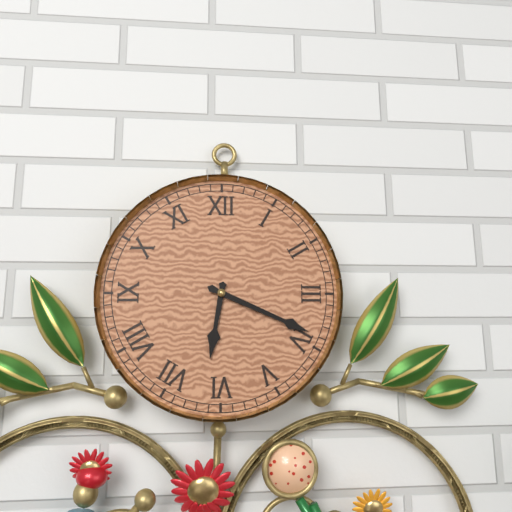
6.19
